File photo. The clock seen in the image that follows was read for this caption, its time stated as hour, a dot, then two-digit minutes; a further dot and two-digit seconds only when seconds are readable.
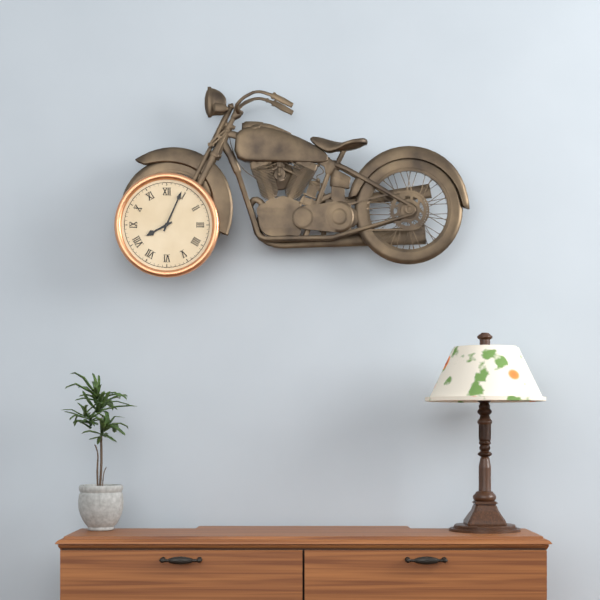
8.04
